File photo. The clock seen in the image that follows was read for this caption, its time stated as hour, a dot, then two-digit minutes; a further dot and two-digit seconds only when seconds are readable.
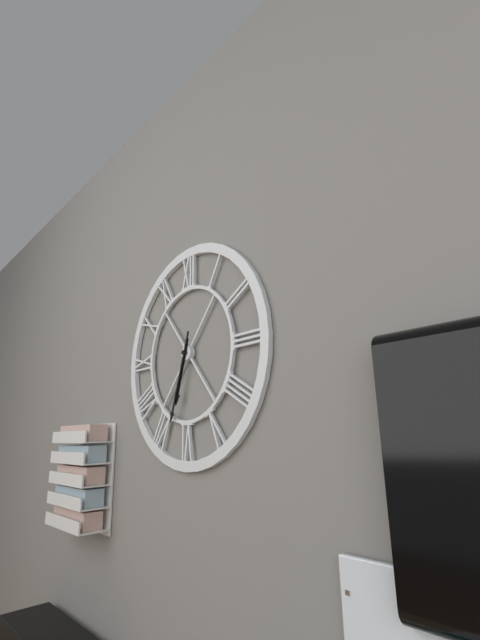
6.33
